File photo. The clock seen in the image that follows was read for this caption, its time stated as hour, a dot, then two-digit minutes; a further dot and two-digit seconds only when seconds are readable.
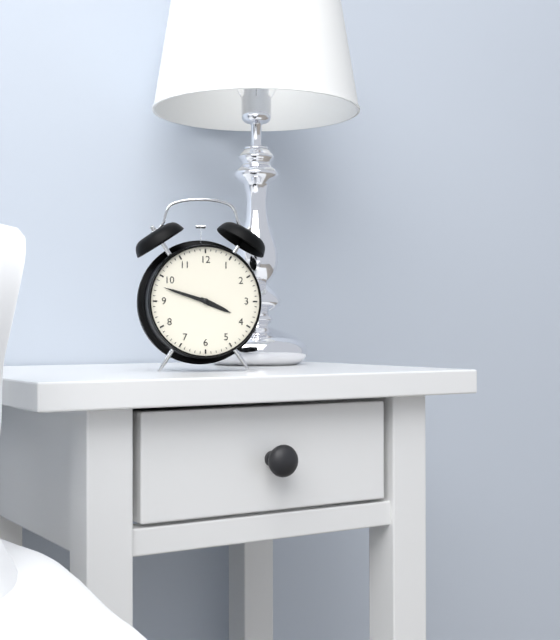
3.48
